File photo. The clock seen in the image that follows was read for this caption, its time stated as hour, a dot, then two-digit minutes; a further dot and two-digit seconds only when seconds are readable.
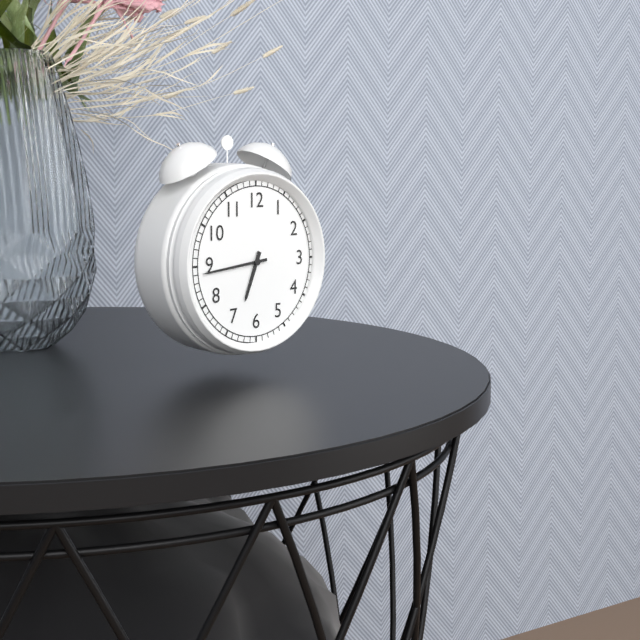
6.44
